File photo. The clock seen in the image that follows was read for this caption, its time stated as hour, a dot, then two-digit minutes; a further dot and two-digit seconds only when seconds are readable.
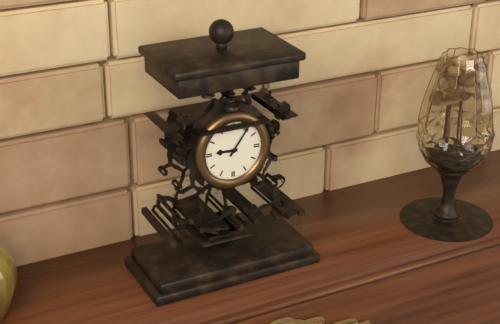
9.06
